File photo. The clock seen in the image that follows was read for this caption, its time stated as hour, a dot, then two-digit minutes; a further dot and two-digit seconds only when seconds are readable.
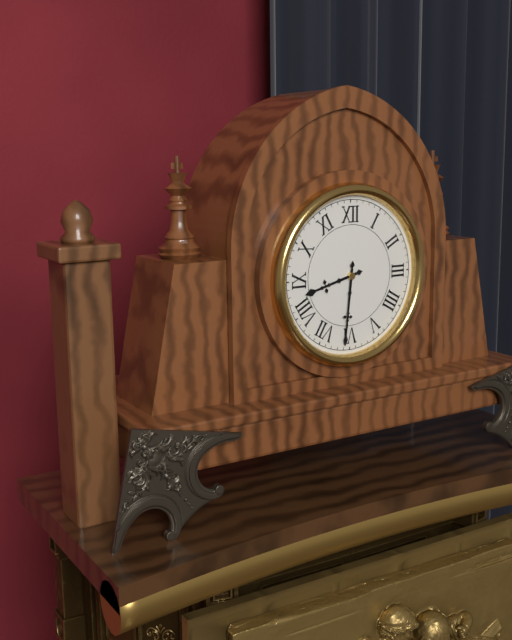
8.31
